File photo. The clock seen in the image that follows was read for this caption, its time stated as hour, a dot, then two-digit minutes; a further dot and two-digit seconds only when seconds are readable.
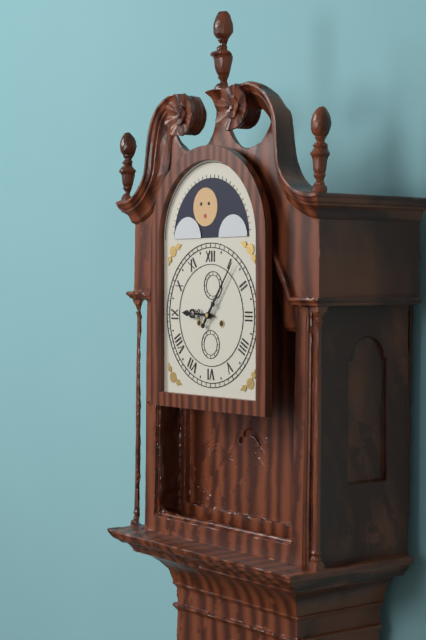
9.06
